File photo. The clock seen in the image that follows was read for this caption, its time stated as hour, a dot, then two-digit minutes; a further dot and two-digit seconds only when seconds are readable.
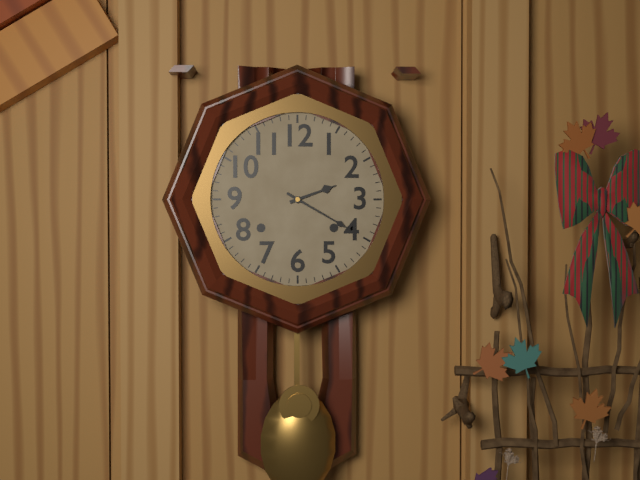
2.20
